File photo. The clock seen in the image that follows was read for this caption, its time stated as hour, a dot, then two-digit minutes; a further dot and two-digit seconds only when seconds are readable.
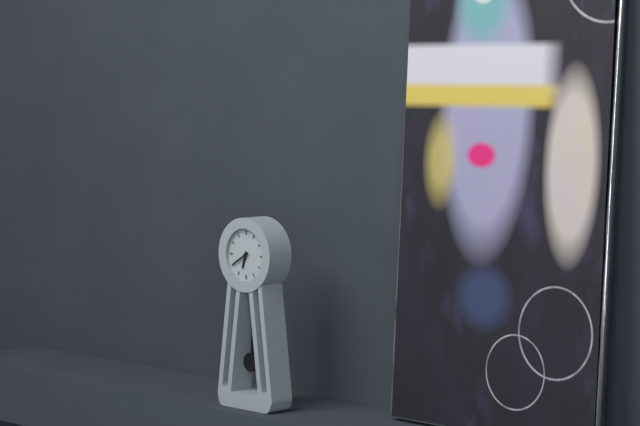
6.40
